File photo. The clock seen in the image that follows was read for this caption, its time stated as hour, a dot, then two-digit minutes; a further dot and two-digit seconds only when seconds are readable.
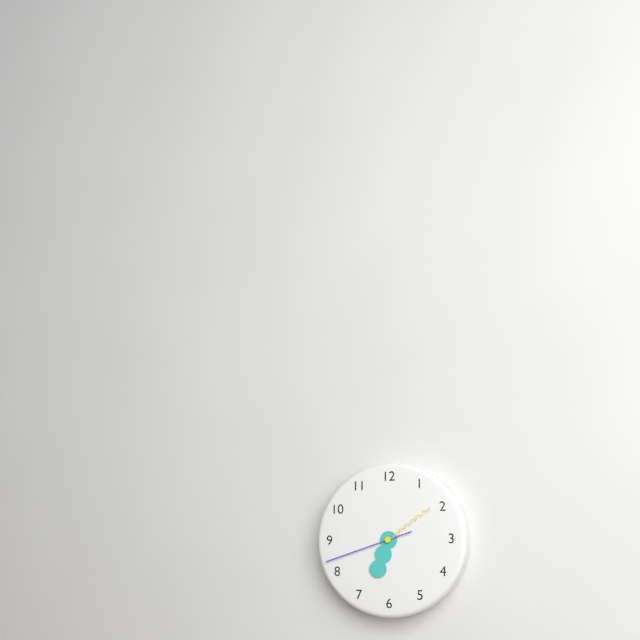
6.42.09
